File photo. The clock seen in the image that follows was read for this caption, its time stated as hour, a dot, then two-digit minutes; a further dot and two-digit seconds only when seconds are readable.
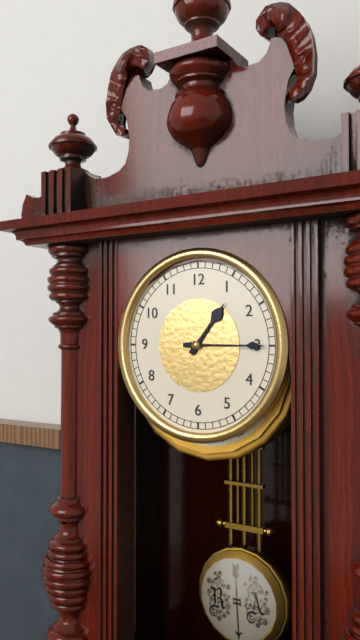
1.15
